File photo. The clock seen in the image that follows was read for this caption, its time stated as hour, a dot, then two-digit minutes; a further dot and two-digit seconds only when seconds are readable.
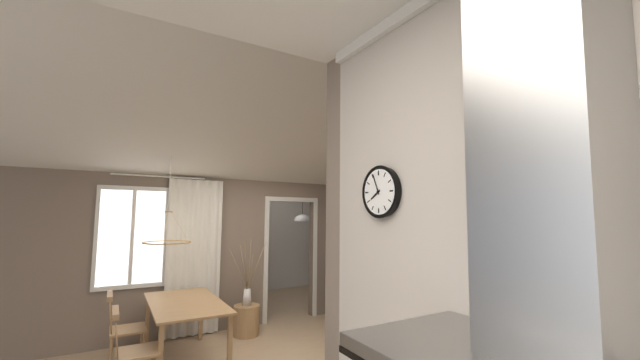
7.56
